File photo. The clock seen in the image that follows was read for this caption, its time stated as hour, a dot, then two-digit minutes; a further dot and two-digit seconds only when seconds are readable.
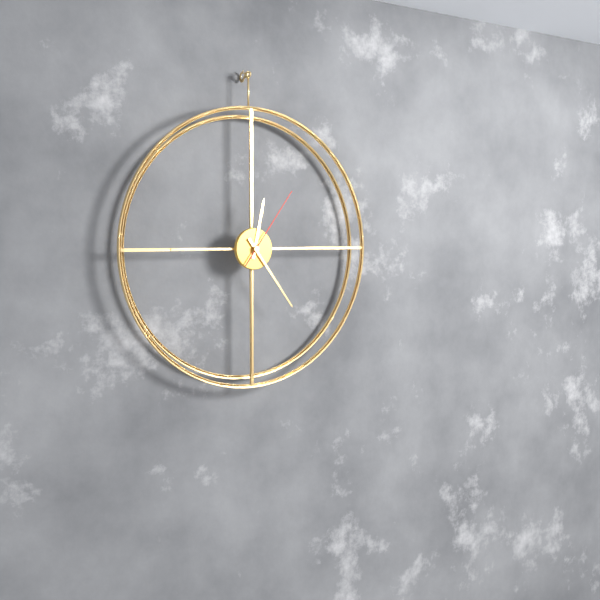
12.24.06
